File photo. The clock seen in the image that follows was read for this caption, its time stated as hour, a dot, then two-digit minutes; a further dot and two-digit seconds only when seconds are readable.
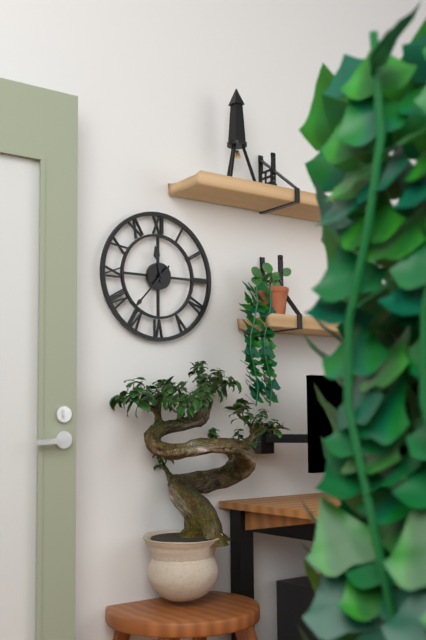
11.37
